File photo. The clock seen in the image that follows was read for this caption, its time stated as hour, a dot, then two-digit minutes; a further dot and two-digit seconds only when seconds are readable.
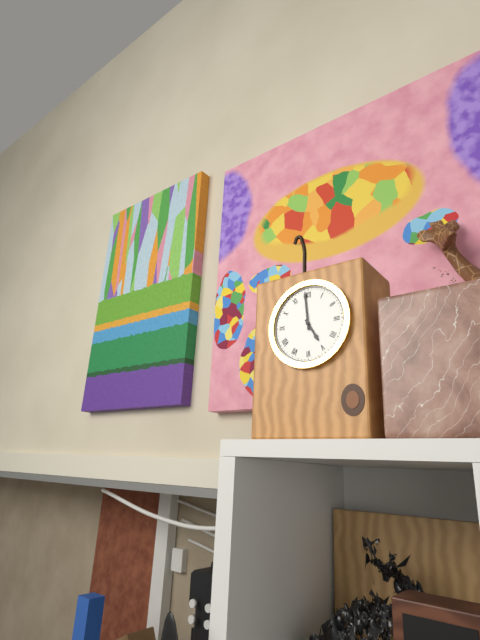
4.59
